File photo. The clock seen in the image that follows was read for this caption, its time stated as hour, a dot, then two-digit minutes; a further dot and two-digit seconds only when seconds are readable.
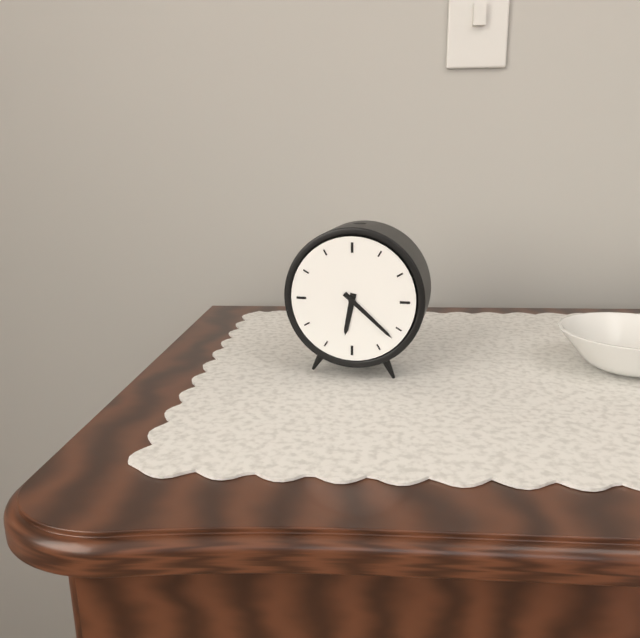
6.22
